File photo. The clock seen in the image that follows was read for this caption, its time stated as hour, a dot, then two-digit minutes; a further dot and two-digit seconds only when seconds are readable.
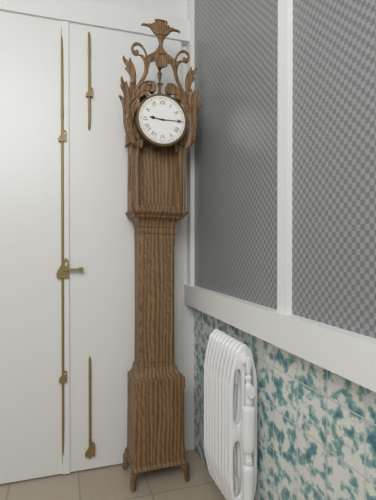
9.15
